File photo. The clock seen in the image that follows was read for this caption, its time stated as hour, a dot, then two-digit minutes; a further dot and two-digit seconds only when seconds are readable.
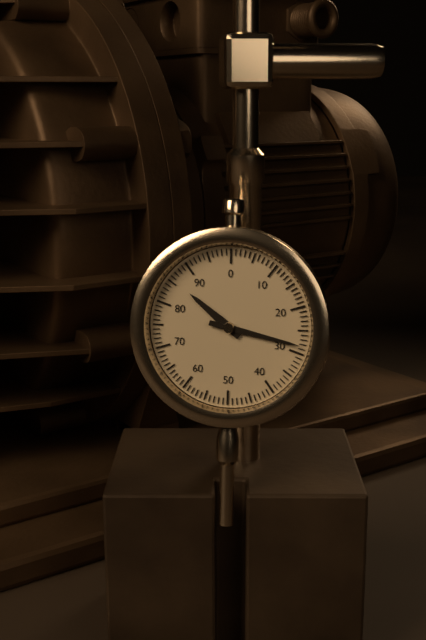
10.17
